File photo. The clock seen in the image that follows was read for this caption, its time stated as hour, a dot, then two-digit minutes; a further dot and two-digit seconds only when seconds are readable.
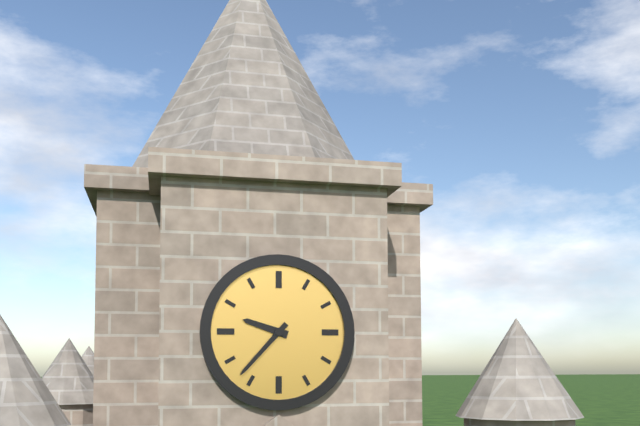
9.37
